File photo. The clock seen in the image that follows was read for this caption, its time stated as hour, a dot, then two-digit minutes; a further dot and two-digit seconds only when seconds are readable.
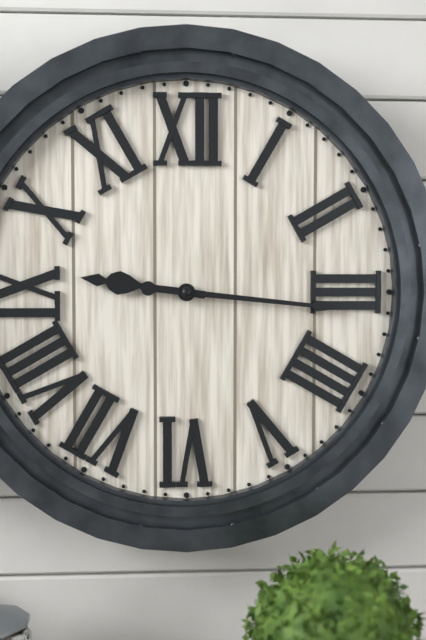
9.16
